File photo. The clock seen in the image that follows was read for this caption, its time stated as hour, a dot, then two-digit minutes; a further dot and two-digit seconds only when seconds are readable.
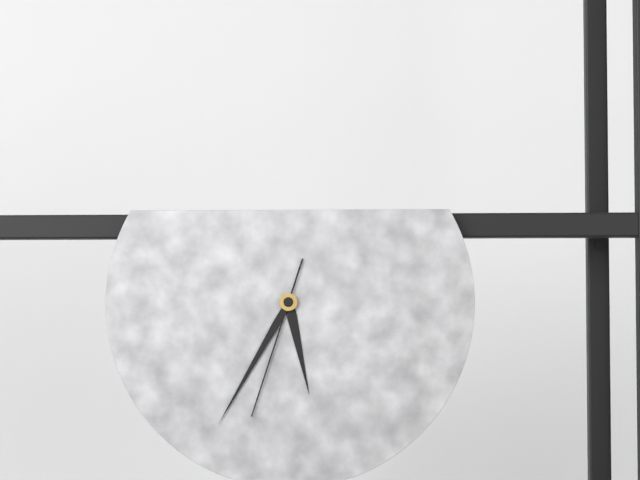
5.35.33
